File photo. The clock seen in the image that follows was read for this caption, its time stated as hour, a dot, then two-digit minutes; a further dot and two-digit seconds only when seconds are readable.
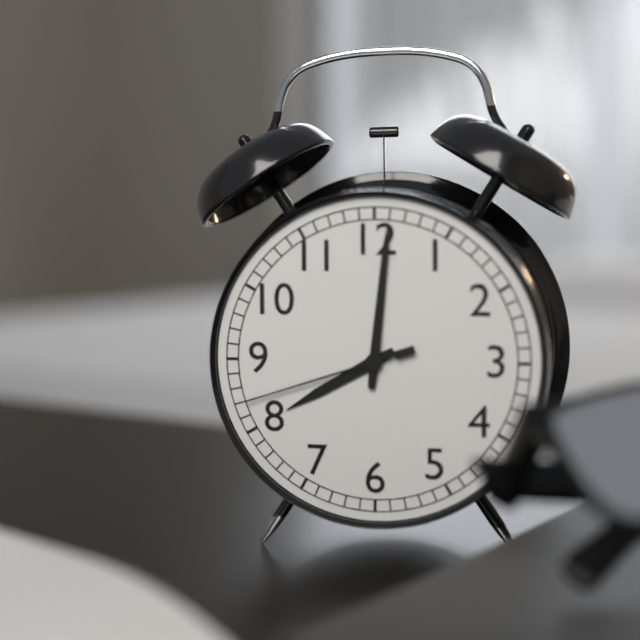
8.01.42
